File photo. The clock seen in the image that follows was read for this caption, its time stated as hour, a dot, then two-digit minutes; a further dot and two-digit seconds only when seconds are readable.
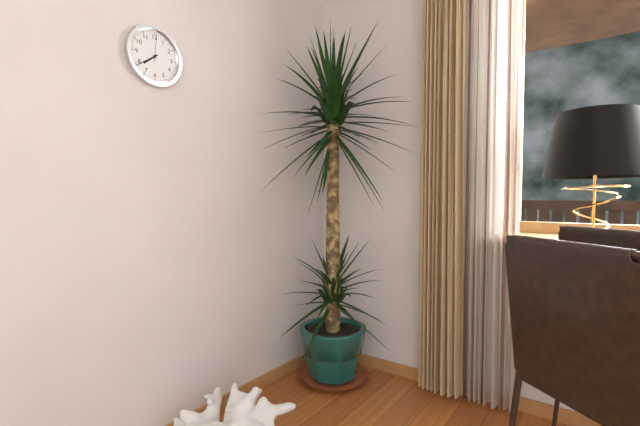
7.39
